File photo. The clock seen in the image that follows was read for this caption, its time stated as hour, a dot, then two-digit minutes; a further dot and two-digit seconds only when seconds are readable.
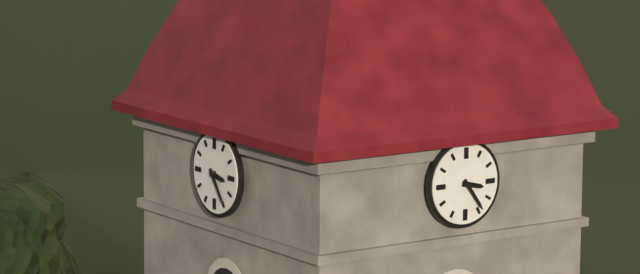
3.24
